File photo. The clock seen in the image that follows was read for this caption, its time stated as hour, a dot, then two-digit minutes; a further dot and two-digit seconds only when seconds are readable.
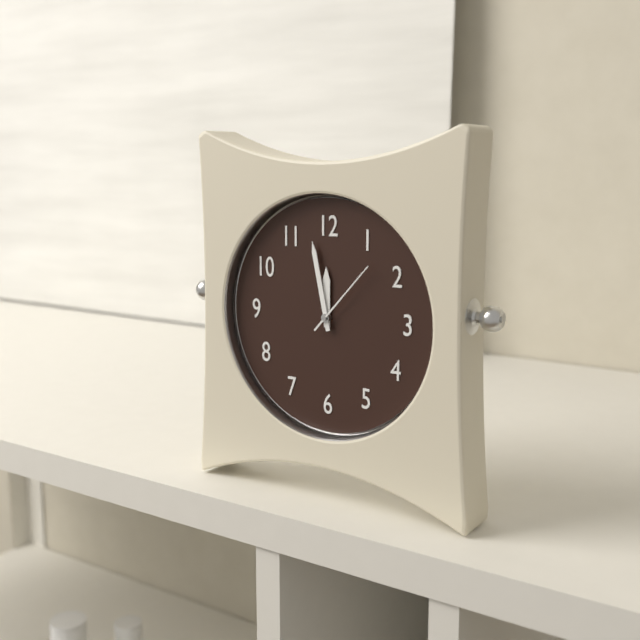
11.58.07
